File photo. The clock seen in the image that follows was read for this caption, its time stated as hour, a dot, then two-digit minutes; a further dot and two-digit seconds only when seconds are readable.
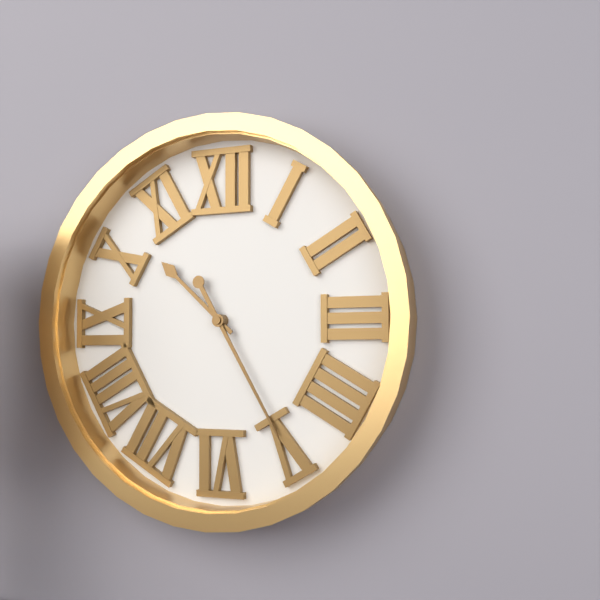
10.25
